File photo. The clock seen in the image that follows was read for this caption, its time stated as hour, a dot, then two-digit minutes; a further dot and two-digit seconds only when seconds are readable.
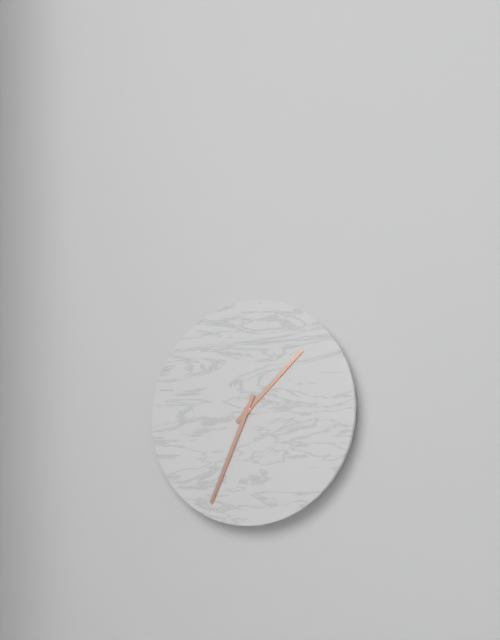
1.34
